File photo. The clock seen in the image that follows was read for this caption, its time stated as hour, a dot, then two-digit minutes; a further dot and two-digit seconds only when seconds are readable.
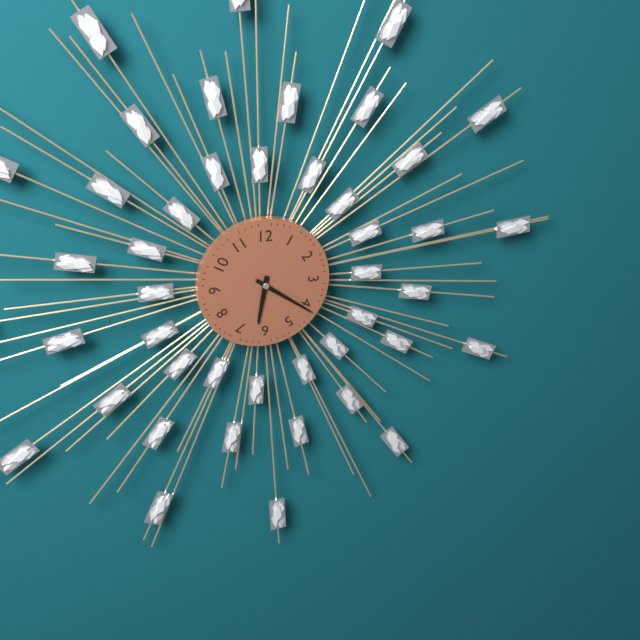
6.21
